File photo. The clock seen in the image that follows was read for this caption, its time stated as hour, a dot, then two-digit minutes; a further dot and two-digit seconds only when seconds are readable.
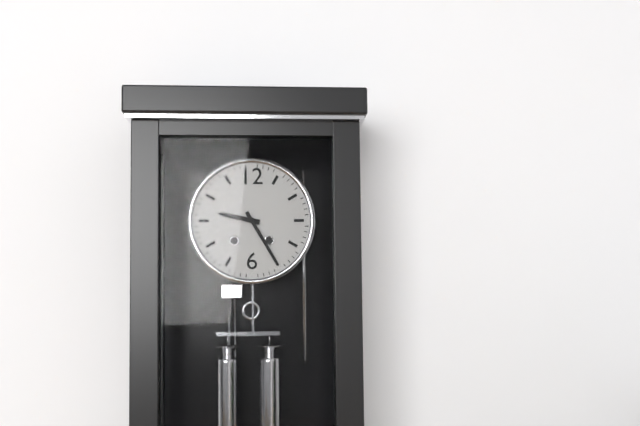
9.25
